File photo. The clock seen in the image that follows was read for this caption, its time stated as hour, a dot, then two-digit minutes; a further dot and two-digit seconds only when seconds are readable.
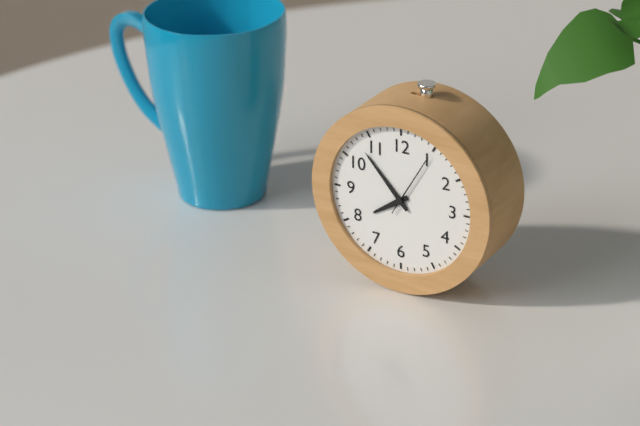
7.53.05
